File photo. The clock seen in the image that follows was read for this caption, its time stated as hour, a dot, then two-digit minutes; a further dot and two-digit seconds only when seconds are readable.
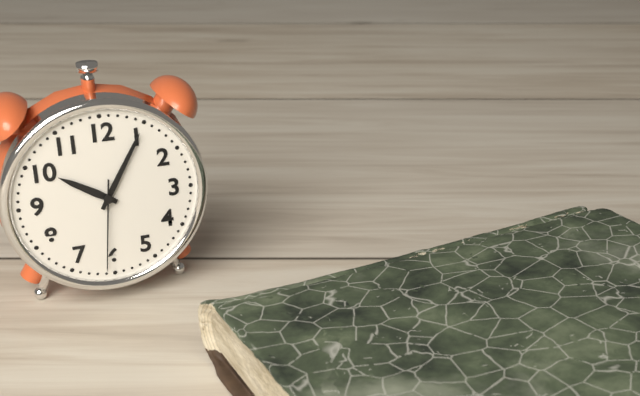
10.05.31
